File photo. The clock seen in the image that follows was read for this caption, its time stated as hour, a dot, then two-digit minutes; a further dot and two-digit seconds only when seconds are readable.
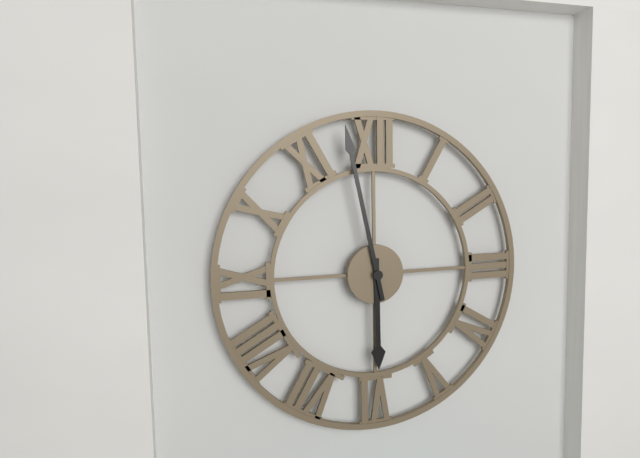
5.58
